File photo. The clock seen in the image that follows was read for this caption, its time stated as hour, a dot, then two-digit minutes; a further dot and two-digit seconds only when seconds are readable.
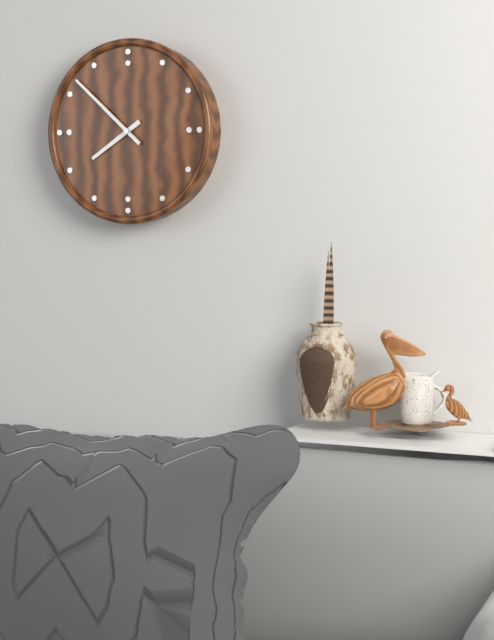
7.52
